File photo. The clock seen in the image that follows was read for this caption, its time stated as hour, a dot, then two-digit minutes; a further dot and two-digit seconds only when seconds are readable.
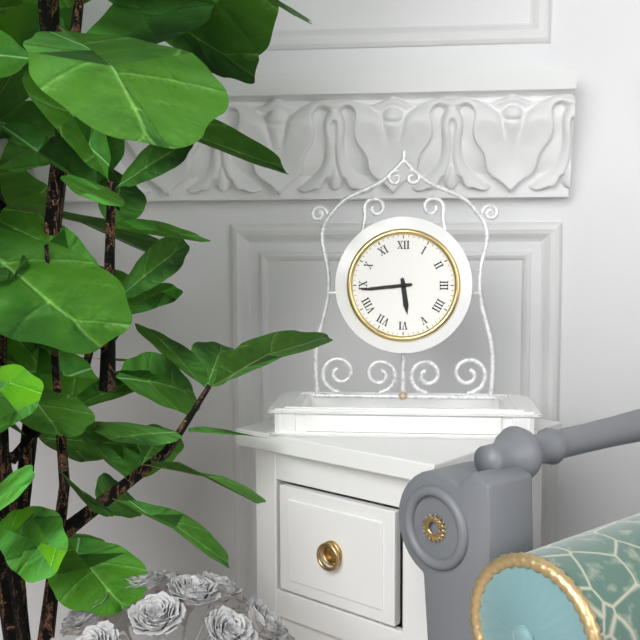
5.44
